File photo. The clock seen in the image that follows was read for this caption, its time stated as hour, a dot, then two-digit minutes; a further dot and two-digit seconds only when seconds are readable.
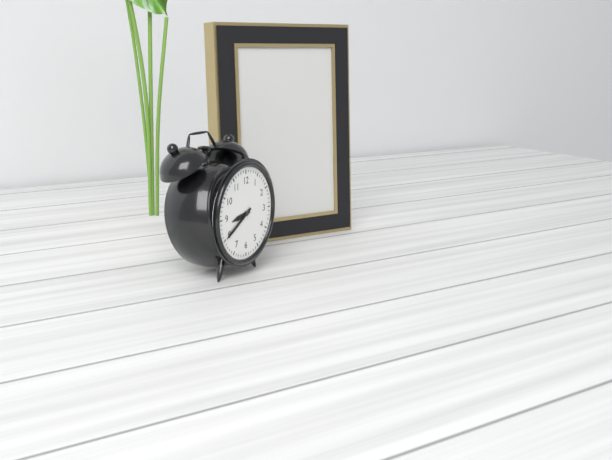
8.40
